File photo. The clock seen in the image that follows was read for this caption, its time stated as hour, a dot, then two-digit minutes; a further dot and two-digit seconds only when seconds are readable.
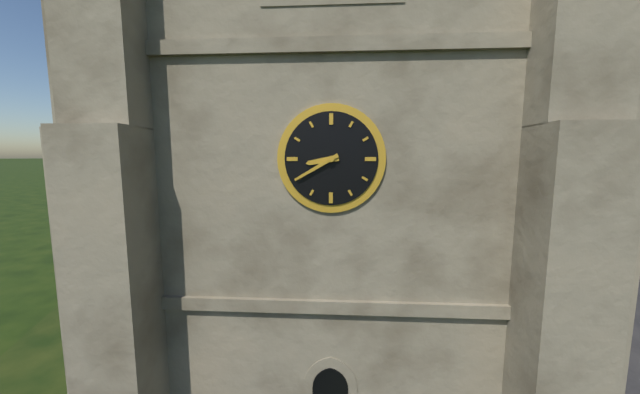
8.40
